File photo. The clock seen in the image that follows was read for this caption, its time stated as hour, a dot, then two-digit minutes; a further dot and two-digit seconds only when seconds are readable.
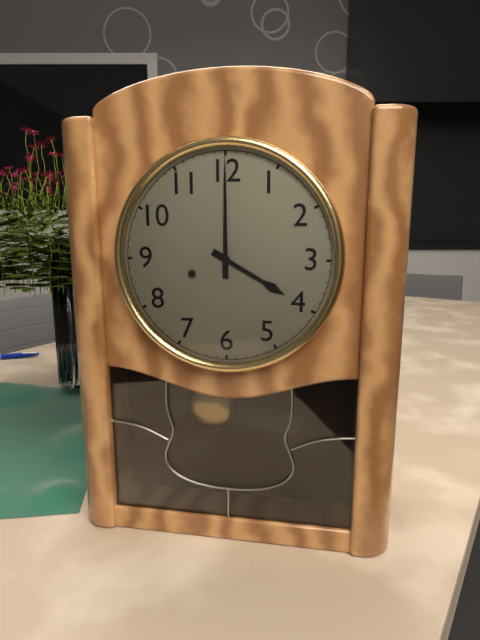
4.00
